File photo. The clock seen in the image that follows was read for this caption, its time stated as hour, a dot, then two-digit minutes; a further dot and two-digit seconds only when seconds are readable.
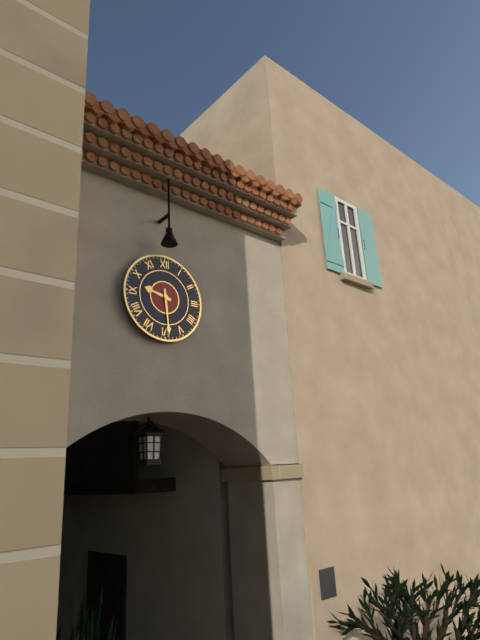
9.29
